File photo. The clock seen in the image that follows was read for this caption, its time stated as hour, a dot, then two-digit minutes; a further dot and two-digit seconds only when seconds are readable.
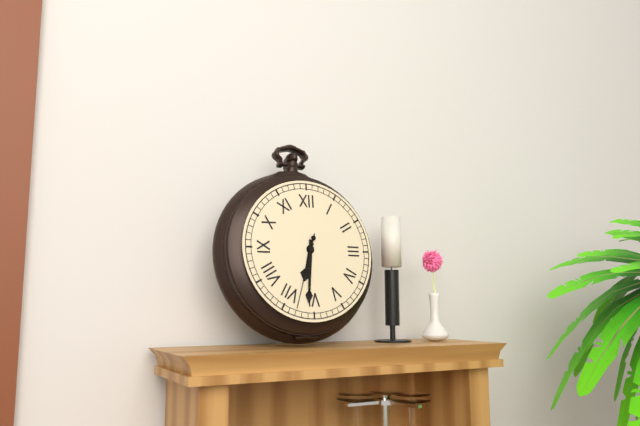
6.31.33
